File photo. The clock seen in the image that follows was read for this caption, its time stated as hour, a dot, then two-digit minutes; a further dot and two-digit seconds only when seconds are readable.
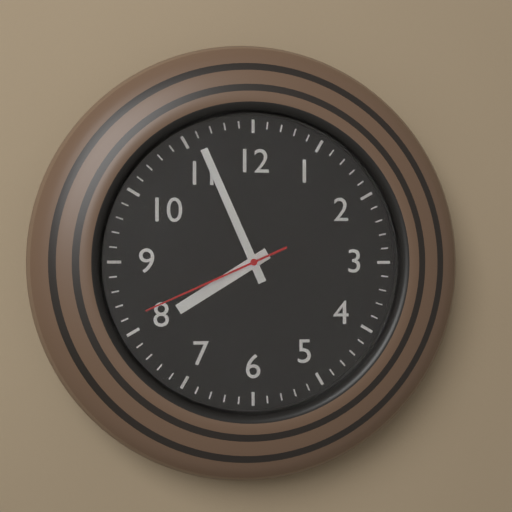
7.56.41
